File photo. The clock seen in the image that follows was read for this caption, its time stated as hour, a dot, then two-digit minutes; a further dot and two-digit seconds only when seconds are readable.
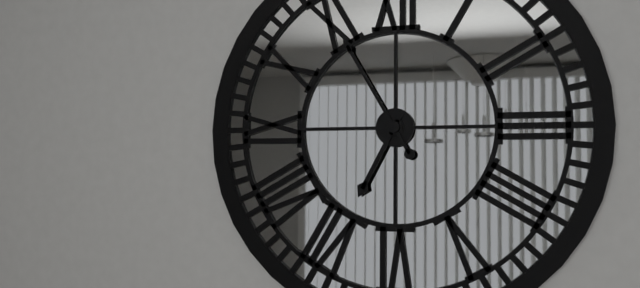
6.55
